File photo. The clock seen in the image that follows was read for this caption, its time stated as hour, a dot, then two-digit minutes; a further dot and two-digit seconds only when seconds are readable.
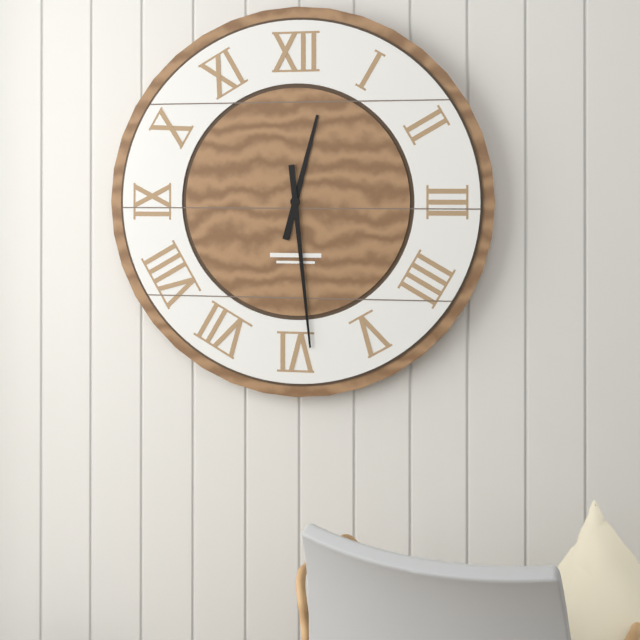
12.29
